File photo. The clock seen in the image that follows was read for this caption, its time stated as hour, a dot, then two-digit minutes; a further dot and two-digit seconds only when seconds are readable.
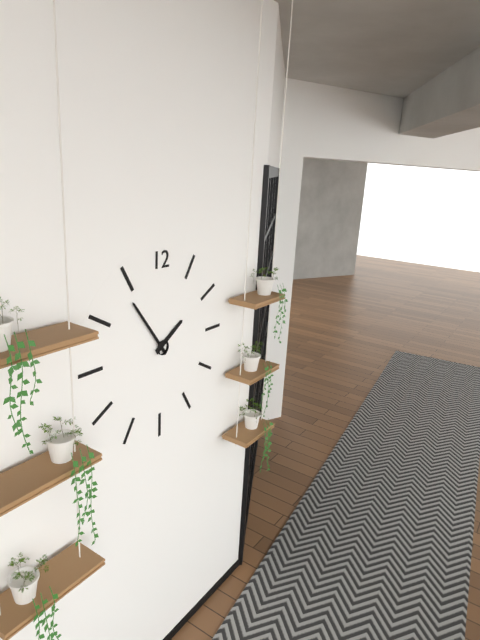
1.54
